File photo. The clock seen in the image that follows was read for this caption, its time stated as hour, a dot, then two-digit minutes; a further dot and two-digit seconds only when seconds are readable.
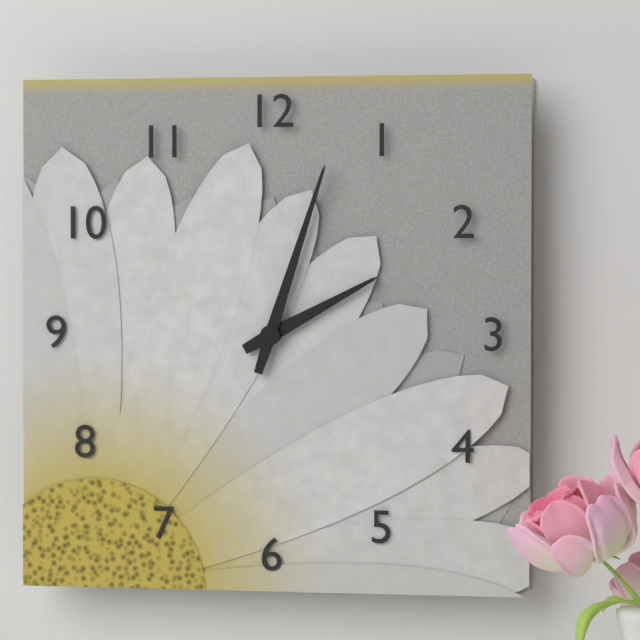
2.03
